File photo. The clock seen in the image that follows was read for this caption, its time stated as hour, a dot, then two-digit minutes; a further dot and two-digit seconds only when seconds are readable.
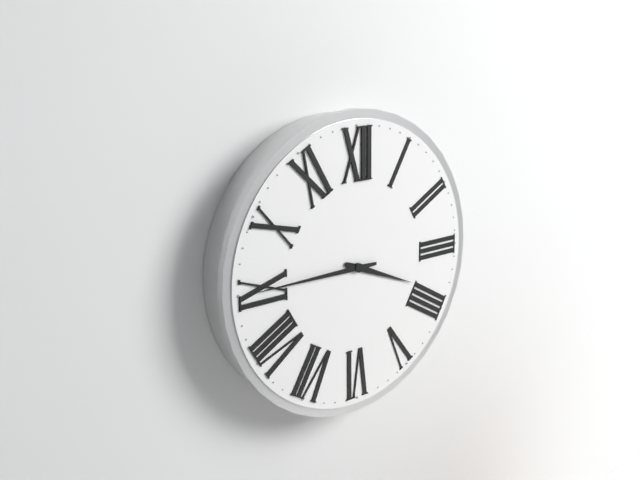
3.45
